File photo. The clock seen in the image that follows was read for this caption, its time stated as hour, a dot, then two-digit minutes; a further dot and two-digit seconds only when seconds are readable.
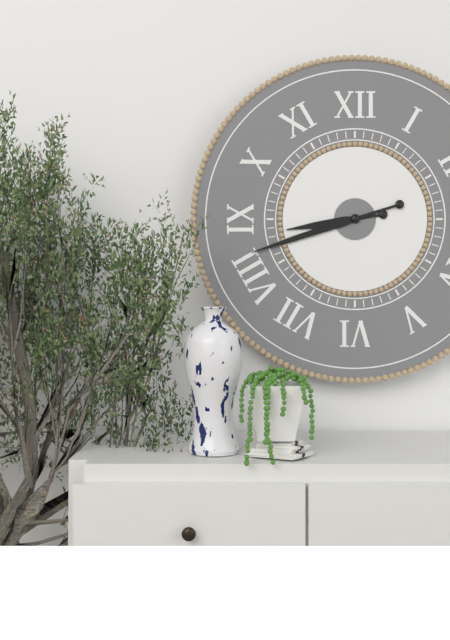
8.42
